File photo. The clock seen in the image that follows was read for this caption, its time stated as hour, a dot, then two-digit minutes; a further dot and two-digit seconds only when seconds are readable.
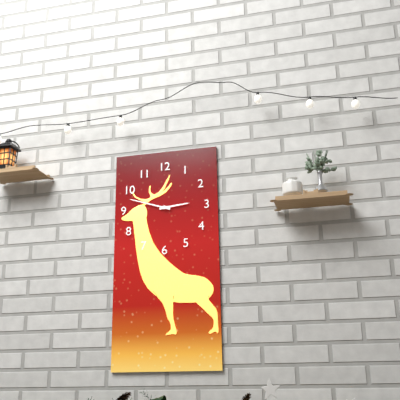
2.48
